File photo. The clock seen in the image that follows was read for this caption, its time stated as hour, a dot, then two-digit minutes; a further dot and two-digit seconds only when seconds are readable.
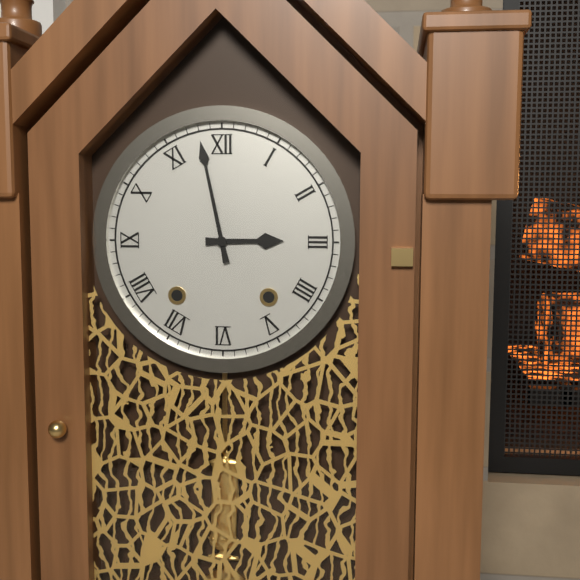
2.58
